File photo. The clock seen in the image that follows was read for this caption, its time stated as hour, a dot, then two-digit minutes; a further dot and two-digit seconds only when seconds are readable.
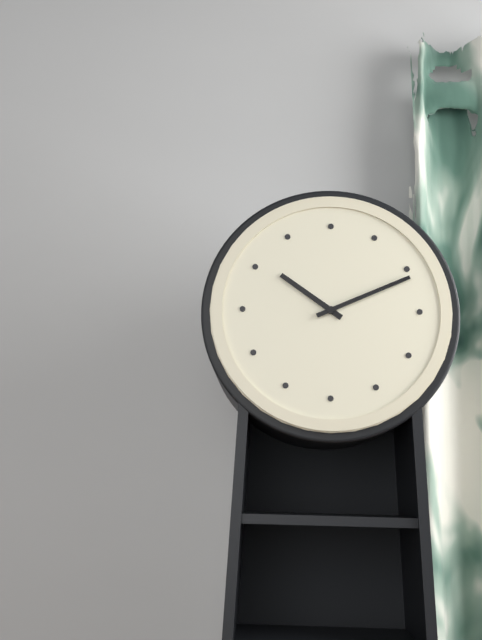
10.11
